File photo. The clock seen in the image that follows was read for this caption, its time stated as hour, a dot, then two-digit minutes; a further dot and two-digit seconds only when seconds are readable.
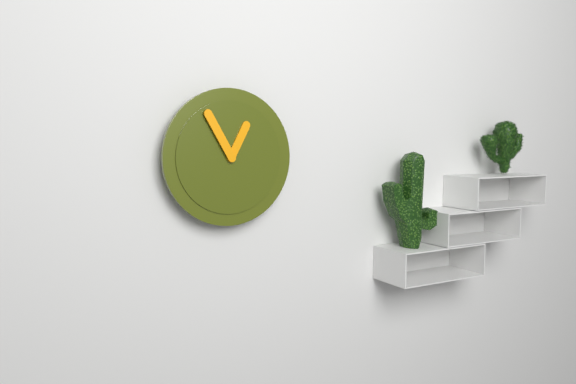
12.55
